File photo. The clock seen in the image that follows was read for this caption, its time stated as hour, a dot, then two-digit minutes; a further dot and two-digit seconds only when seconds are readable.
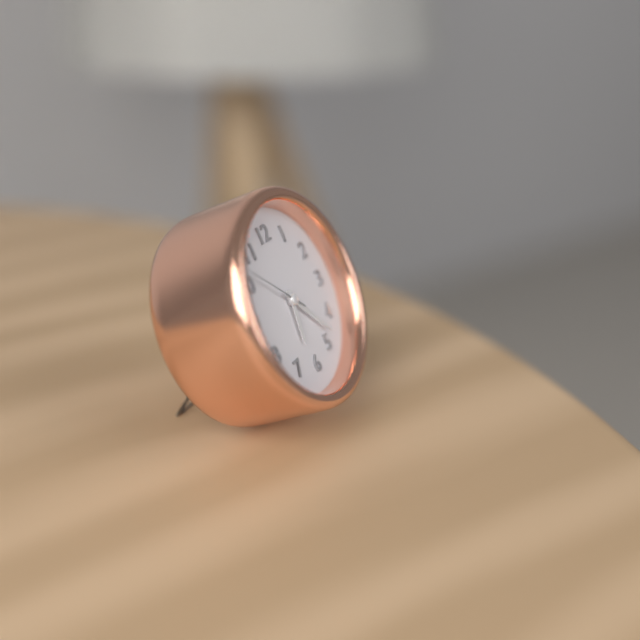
6.23.52
